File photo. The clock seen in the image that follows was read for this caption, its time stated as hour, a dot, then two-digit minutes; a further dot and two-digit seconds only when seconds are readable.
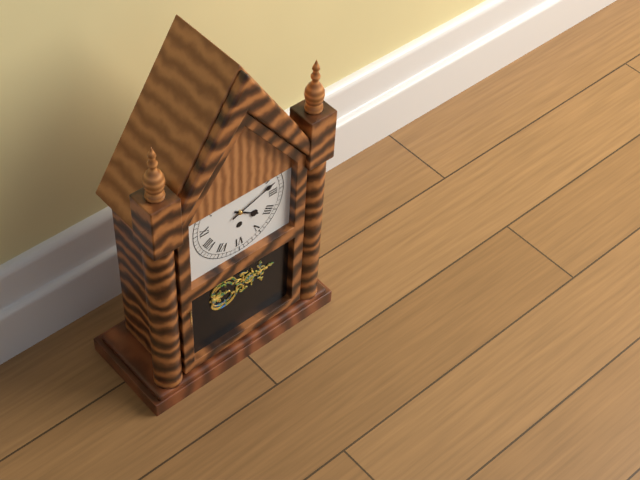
4.12
